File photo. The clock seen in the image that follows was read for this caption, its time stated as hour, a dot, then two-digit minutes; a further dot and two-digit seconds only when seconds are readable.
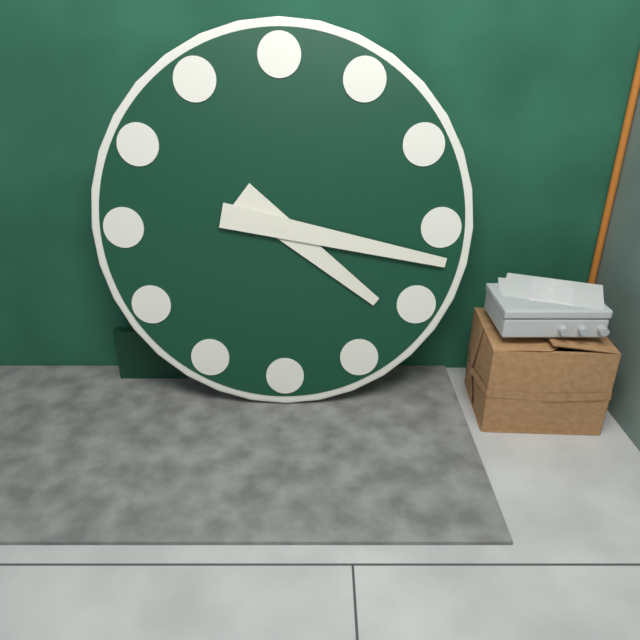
4.17
